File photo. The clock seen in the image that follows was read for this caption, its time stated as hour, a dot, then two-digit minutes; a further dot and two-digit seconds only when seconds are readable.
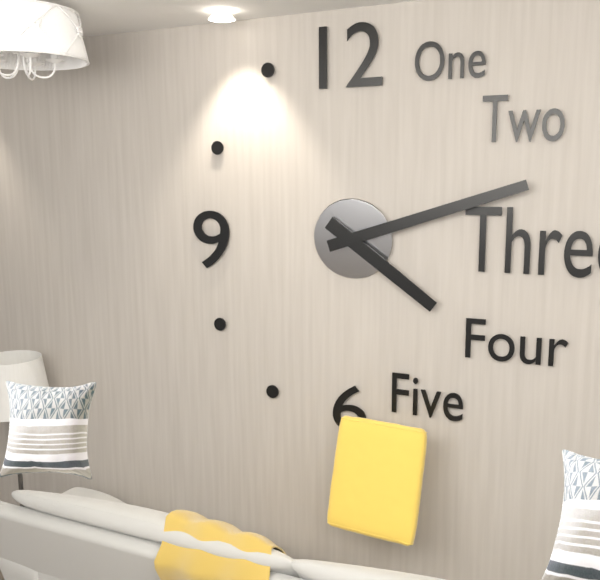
4.12
